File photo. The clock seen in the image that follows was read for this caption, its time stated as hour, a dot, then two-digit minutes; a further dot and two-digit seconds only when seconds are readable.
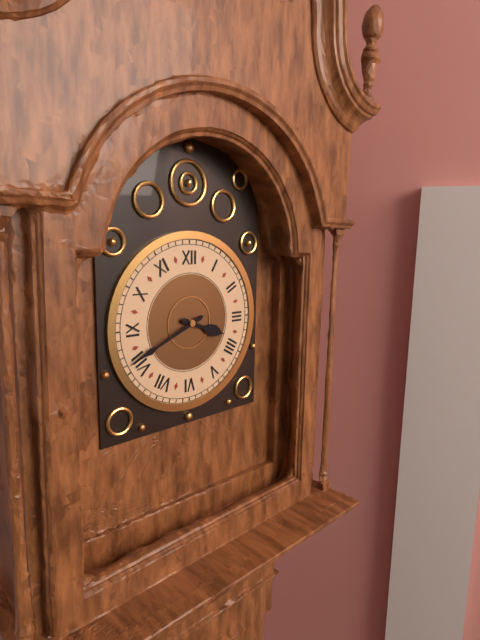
3.41
